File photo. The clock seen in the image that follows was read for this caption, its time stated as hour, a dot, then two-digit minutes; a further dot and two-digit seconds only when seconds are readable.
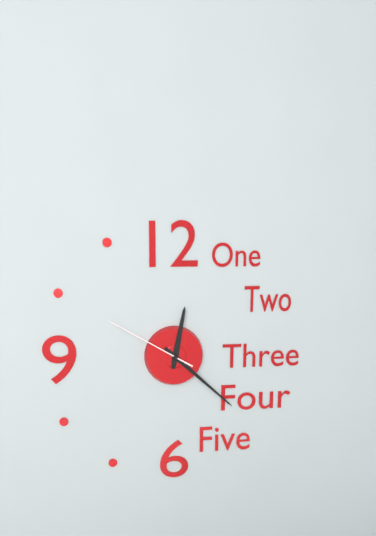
12.22.50
